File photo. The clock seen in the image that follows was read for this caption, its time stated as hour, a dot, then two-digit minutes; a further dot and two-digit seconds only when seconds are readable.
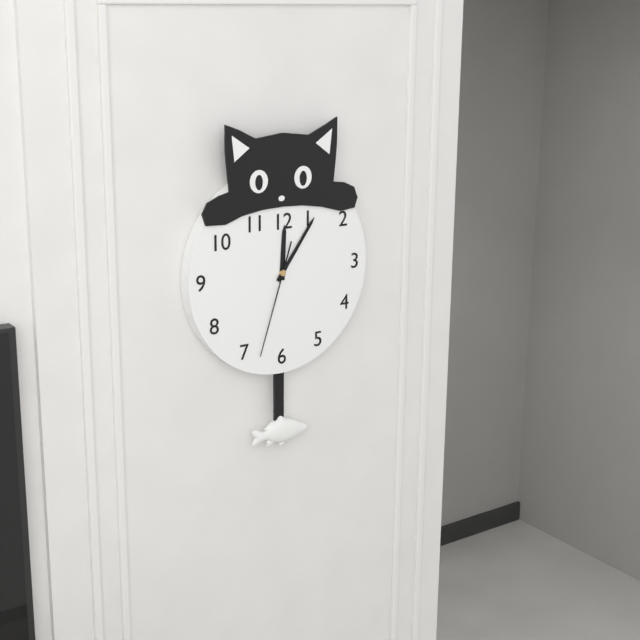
12.06.33
